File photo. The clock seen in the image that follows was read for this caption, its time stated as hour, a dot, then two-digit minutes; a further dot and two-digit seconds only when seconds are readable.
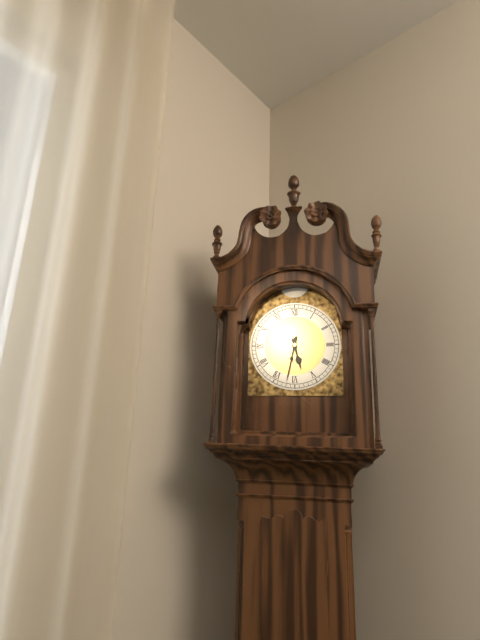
5.32
